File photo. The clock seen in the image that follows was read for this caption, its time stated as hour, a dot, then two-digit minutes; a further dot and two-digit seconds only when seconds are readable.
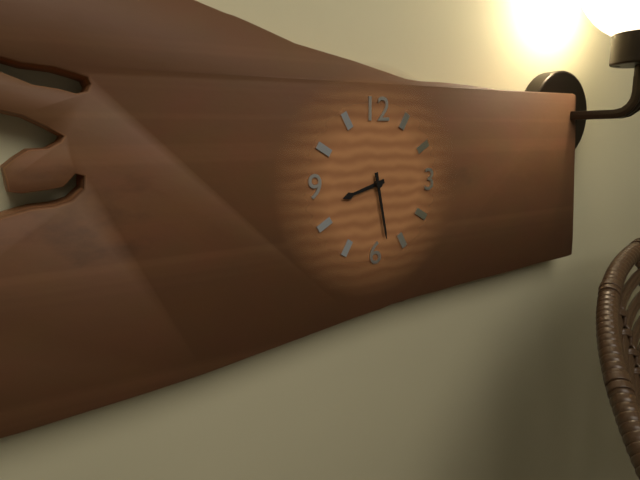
8.28
